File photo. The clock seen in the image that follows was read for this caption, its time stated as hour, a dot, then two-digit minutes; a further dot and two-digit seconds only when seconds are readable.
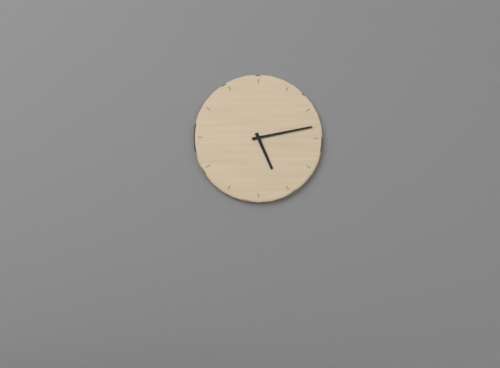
5.13
